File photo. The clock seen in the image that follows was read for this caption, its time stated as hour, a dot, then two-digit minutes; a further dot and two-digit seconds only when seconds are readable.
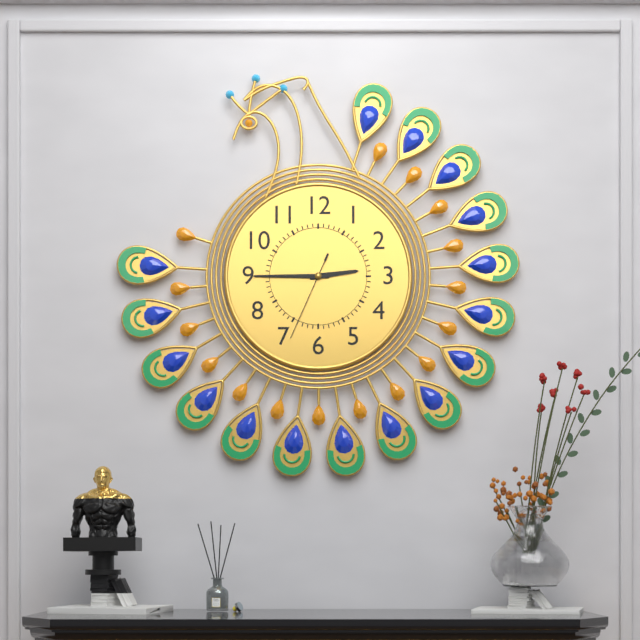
2.45.34
